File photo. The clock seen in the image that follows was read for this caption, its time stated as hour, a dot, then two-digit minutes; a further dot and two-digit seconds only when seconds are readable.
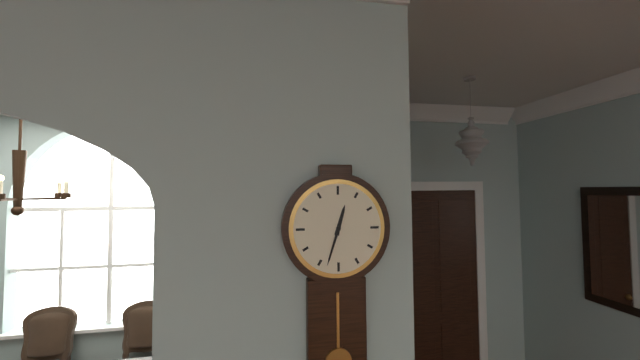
12.33
